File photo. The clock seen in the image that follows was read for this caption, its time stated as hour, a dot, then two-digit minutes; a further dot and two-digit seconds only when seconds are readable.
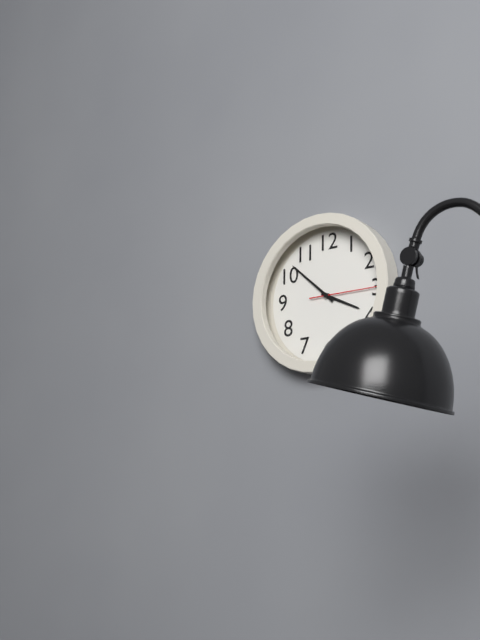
3.52.15
